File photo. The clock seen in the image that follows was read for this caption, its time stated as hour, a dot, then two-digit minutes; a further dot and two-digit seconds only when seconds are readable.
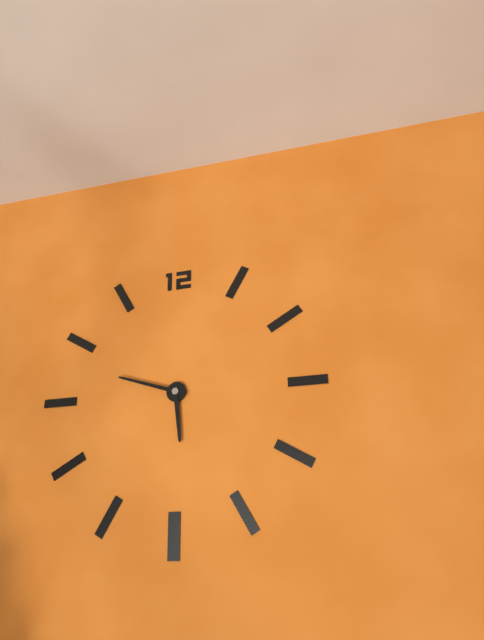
5.48
